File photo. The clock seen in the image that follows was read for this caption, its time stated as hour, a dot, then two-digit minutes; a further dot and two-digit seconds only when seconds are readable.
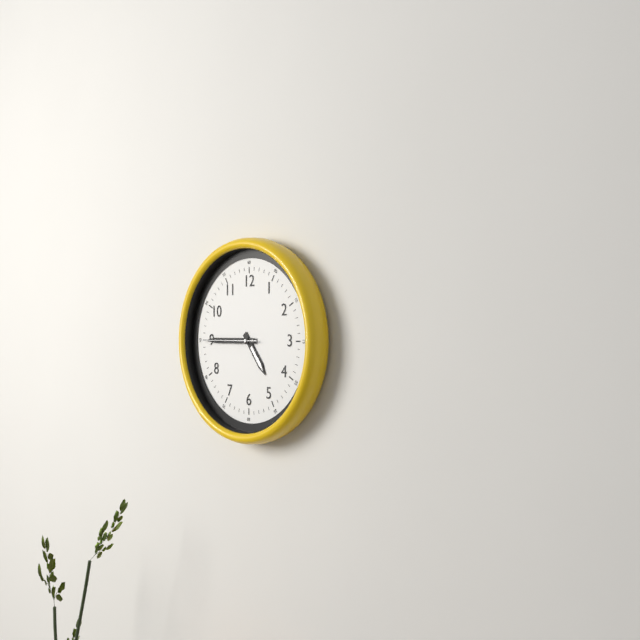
4.45.45
